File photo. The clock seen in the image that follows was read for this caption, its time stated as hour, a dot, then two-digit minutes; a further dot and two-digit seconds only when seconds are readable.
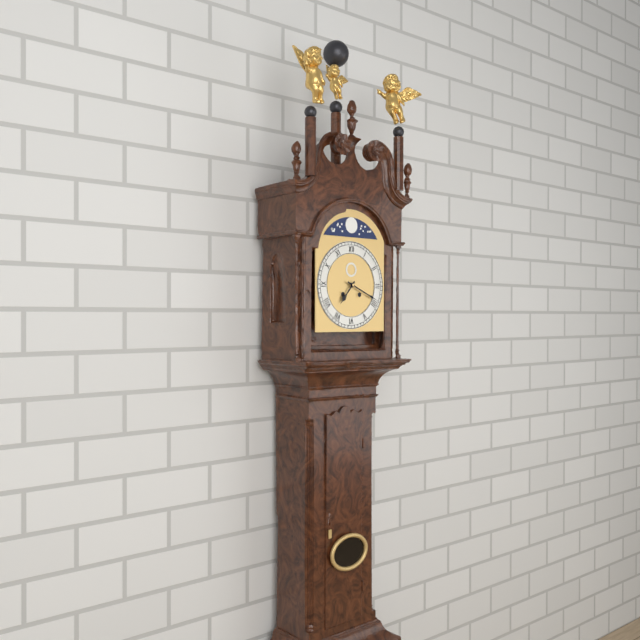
7.19
